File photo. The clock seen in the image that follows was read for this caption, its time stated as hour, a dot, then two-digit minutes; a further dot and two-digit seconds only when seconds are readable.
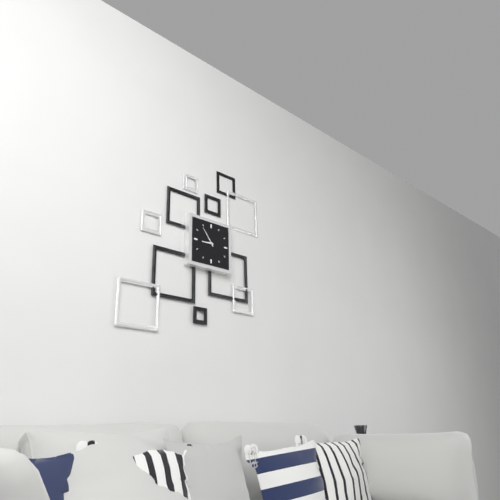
8.54
